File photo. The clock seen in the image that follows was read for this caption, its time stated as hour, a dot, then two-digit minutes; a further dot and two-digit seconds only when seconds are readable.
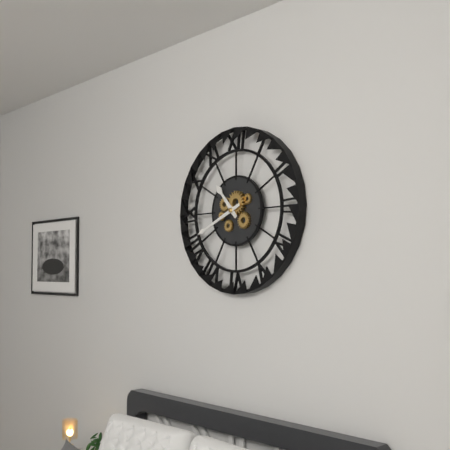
10.41
